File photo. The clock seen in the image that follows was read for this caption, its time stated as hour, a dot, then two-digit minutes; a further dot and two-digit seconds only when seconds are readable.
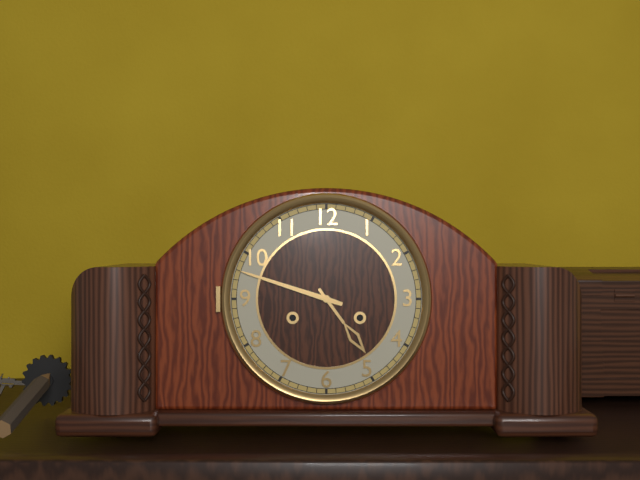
4.48
